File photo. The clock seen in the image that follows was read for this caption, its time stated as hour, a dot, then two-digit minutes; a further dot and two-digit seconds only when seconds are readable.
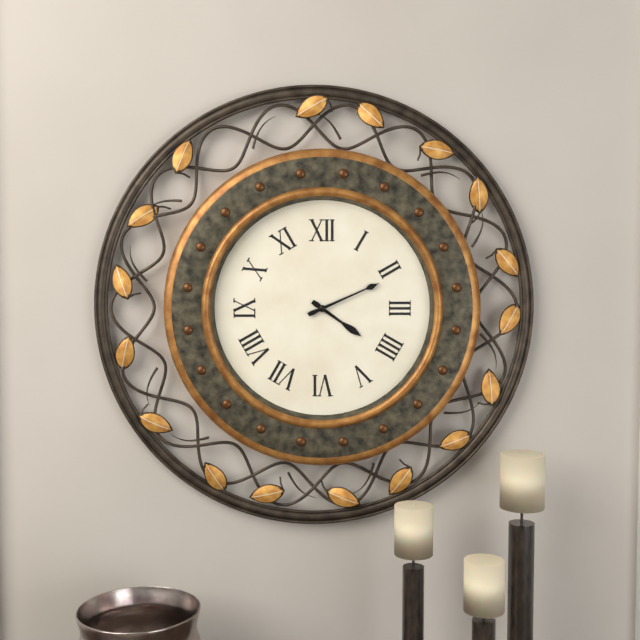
4.11
